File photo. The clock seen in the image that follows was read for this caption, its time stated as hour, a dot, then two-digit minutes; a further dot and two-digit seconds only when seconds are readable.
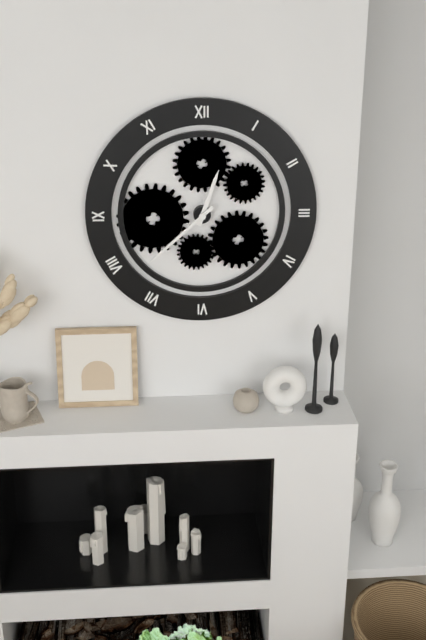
12.38
